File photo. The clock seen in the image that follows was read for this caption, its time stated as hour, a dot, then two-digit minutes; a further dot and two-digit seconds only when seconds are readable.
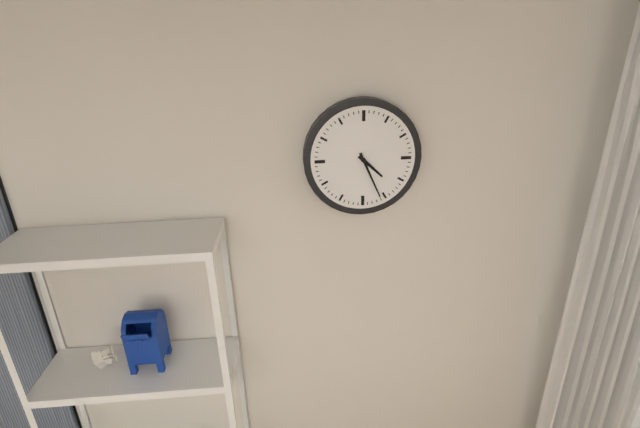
4.26
